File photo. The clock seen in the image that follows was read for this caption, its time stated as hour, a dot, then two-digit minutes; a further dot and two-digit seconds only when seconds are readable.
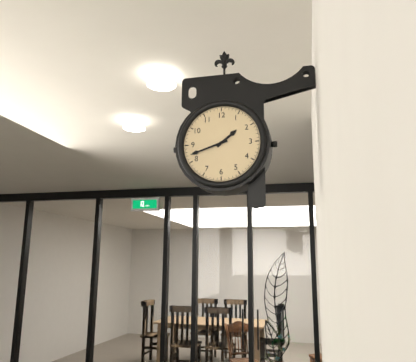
1.42
